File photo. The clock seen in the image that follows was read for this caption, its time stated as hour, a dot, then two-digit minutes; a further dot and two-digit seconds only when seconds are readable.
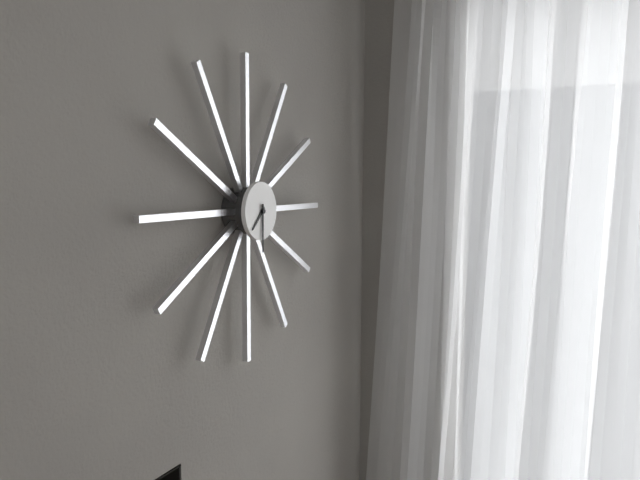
7.30
